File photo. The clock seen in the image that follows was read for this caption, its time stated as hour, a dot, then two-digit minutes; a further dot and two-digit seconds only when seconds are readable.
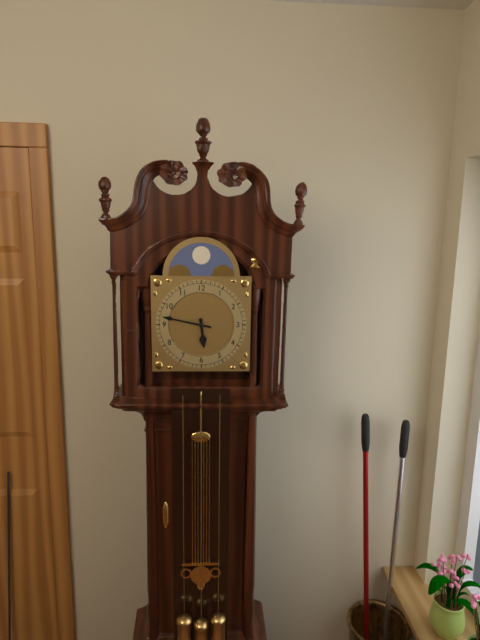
5.47
